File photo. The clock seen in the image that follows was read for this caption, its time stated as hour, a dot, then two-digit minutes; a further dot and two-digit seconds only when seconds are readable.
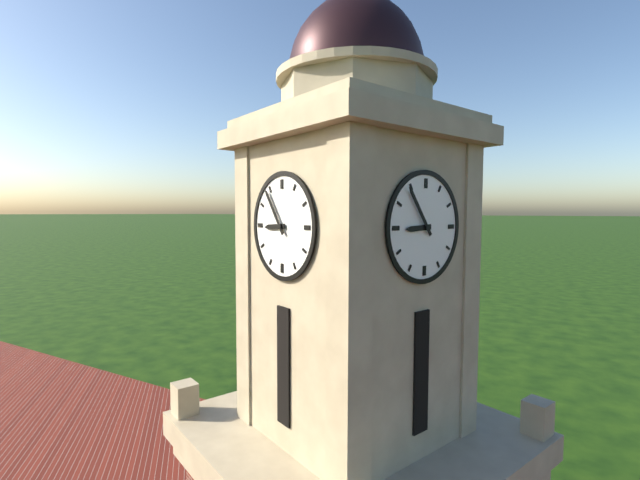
8.54
